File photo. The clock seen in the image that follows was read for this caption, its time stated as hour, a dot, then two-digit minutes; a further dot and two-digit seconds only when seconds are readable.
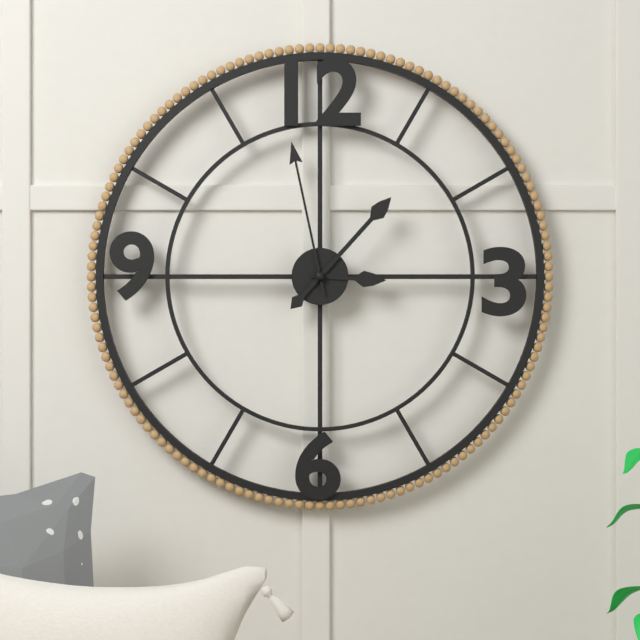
3.07.58
